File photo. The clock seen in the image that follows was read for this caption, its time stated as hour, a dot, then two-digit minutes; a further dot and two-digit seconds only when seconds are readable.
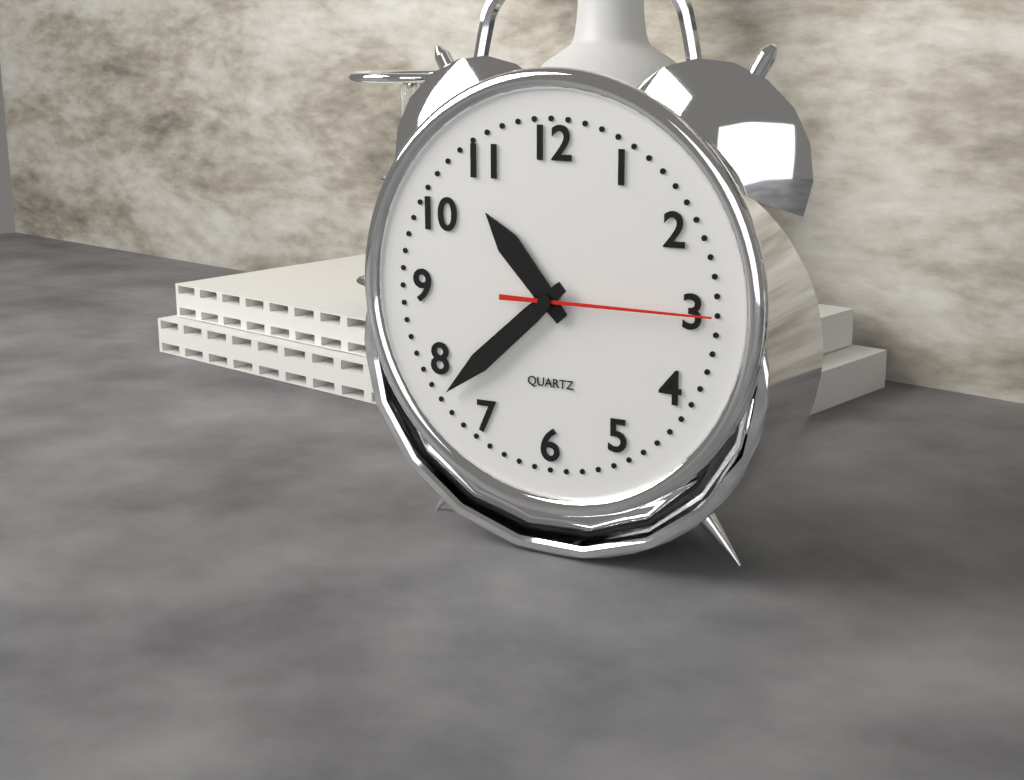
10.38.15
